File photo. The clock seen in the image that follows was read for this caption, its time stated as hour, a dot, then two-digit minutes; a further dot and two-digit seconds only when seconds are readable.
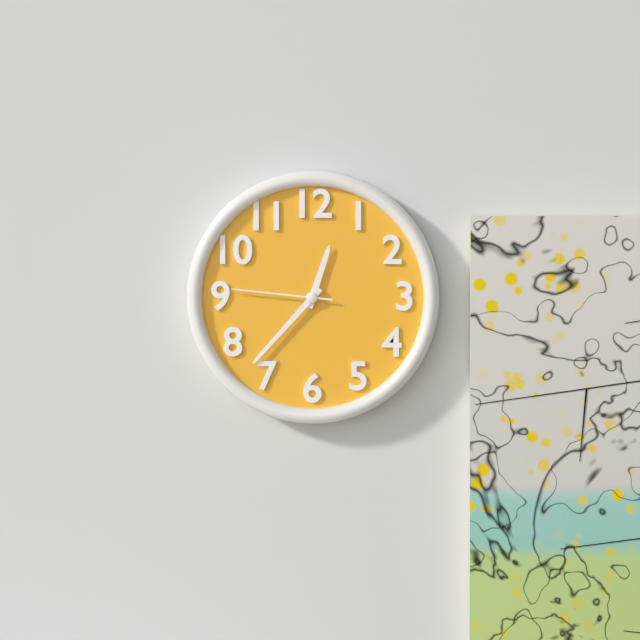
12.37.46
